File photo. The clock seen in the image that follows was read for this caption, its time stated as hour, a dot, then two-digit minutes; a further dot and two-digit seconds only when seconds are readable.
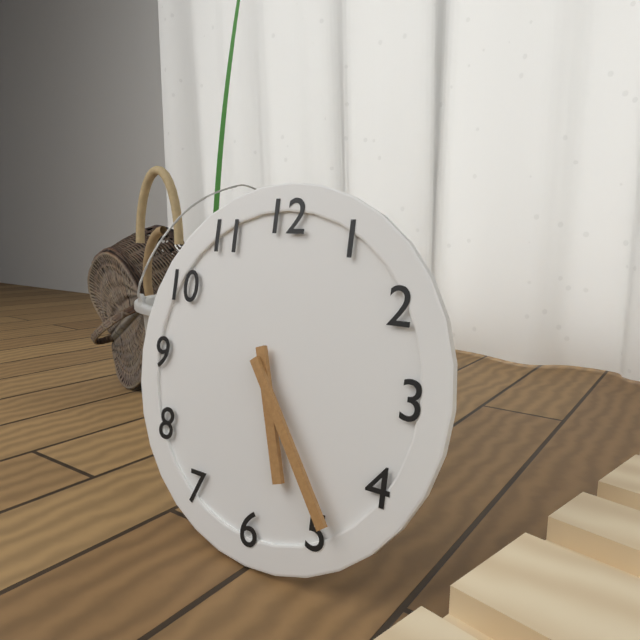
5.24
